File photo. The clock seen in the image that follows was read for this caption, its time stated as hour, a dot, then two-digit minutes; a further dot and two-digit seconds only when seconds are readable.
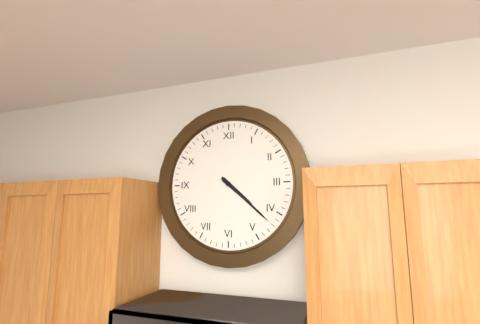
4.22
